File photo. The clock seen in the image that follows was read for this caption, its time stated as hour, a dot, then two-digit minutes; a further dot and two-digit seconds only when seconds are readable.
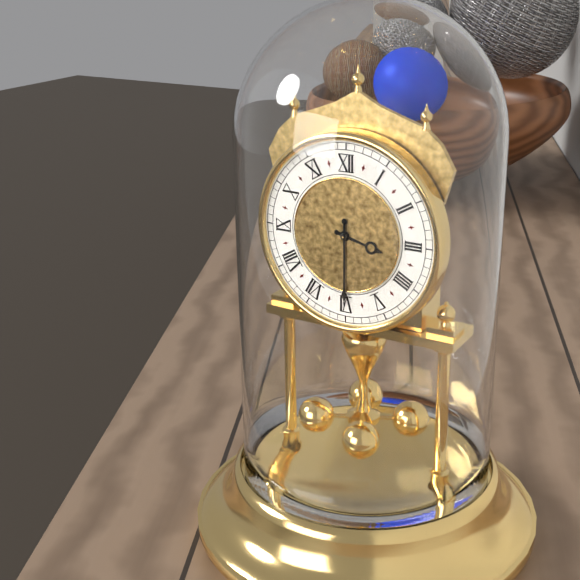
3.30
